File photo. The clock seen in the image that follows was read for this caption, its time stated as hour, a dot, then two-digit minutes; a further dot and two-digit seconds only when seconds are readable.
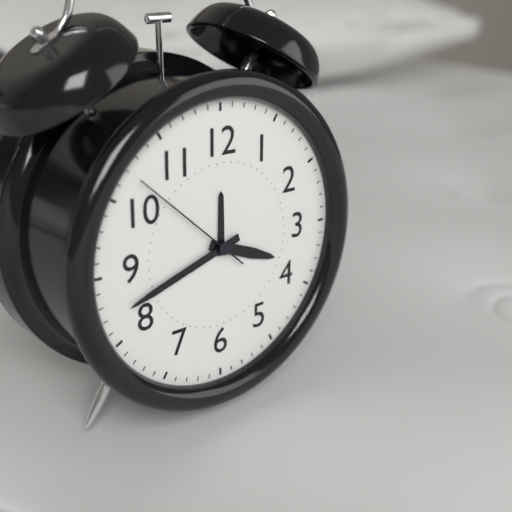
3.42.52
